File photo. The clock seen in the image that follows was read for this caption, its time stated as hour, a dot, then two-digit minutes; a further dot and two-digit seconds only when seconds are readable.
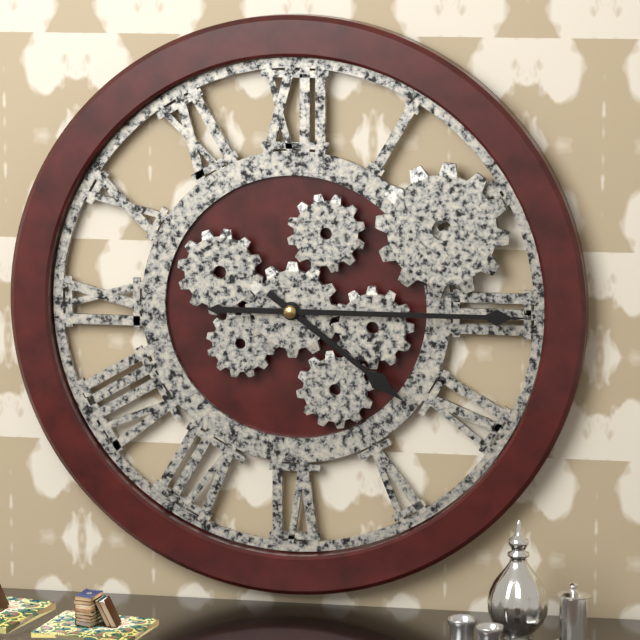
4.15
